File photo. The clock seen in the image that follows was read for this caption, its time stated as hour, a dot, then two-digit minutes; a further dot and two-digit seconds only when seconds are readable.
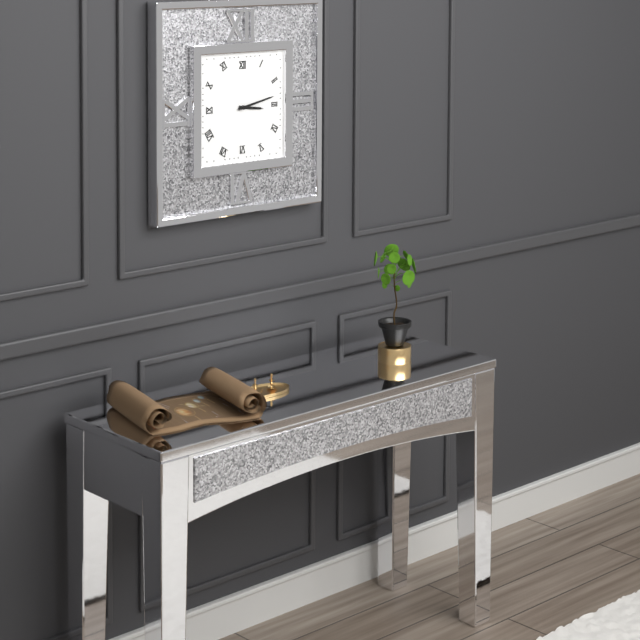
3.13
